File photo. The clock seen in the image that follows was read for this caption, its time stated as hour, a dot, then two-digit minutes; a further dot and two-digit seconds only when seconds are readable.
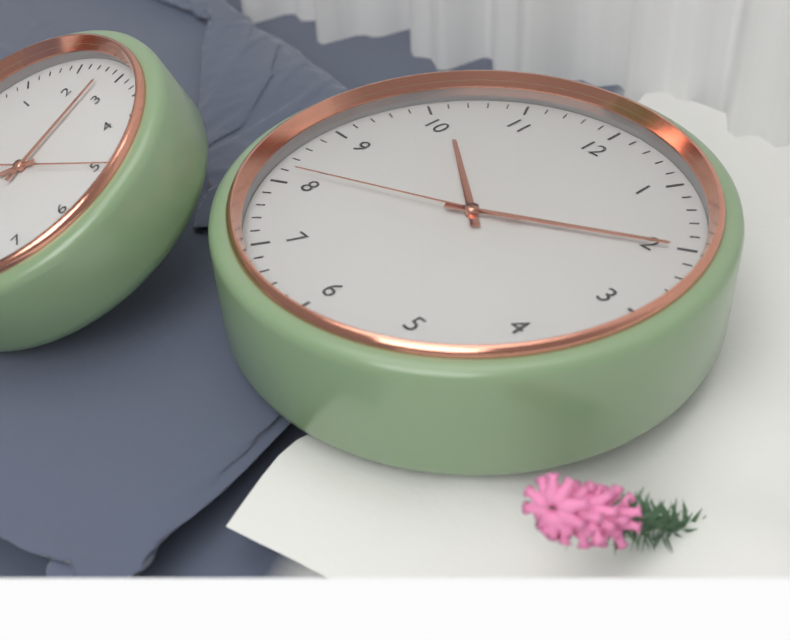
10.10.41
